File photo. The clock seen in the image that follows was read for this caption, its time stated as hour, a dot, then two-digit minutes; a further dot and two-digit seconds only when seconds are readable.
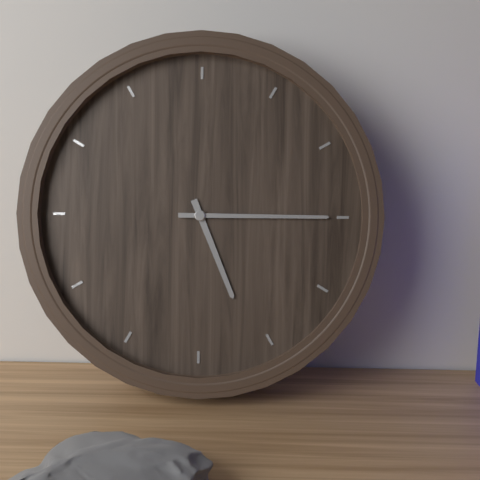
5.15
